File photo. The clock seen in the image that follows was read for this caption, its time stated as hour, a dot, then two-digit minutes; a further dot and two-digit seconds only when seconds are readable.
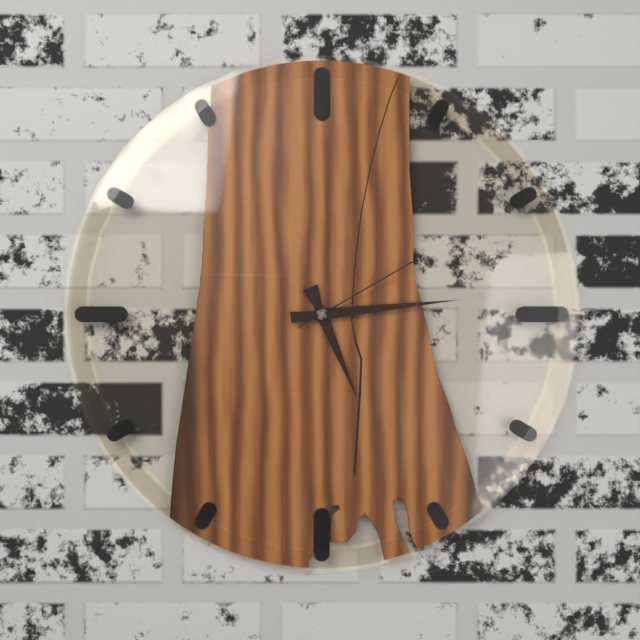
5.14.10
